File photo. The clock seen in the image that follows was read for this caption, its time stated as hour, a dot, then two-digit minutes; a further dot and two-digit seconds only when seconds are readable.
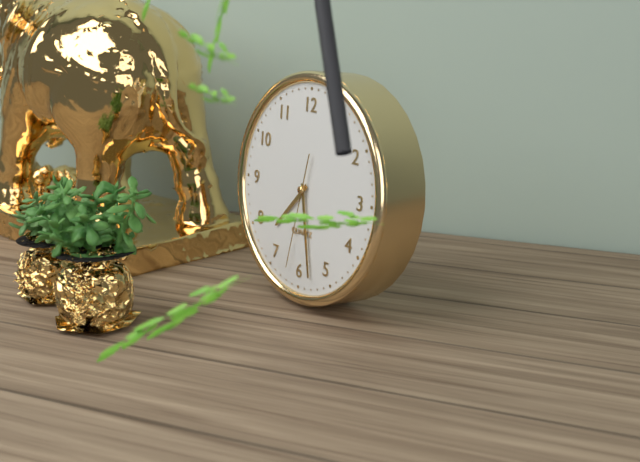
7.28.32
